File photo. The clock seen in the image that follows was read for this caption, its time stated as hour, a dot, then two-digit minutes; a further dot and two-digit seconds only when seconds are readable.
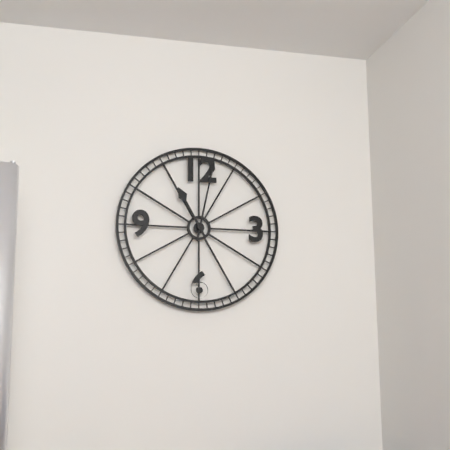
11.02
